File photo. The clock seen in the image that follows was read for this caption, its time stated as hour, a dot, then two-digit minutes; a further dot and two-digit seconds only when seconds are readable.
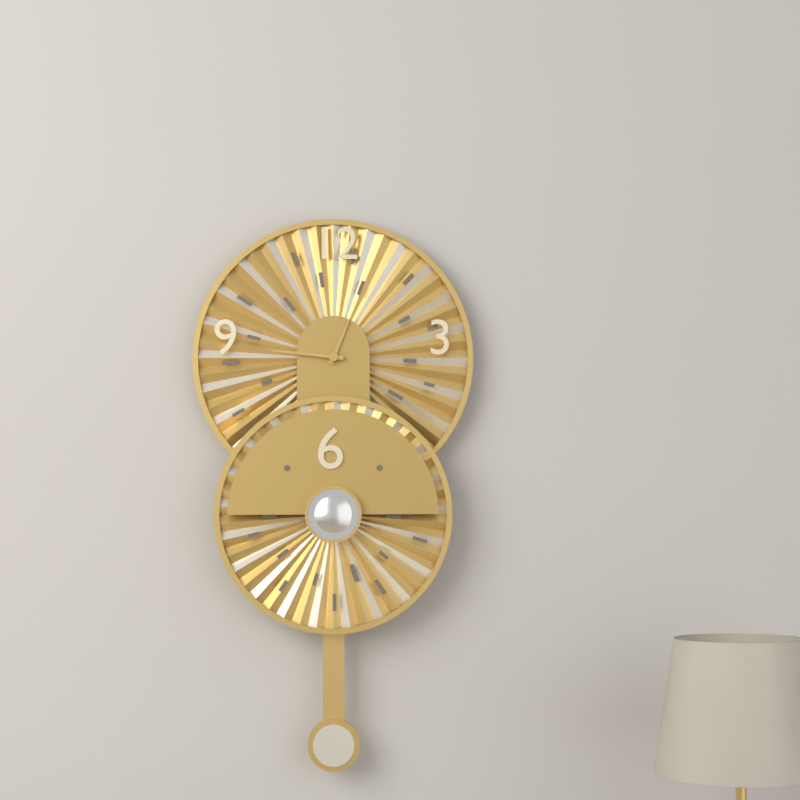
12.46
